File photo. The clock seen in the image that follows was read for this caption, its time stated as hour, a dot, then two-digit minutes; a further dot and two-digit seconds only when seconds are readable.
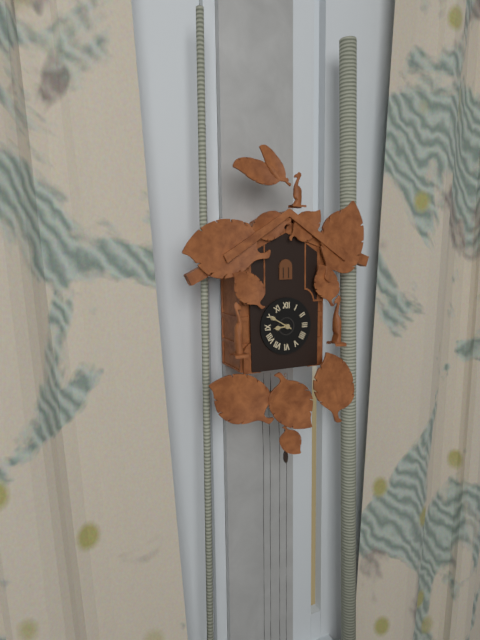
8.50
